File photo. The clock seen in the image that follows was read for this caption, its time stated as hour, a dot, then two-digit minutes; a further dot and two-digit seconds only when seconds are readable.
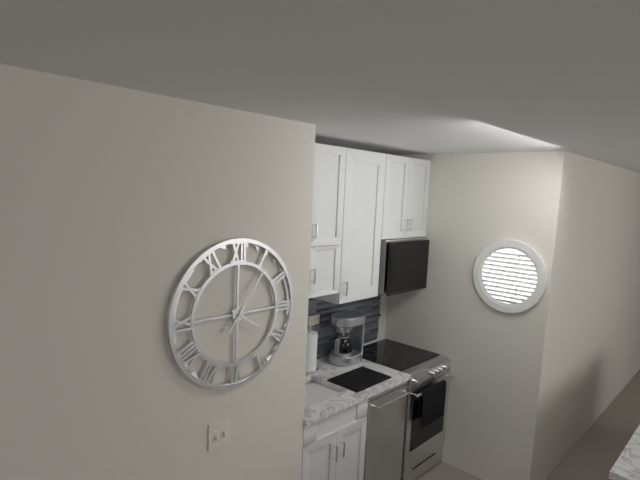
4.06
